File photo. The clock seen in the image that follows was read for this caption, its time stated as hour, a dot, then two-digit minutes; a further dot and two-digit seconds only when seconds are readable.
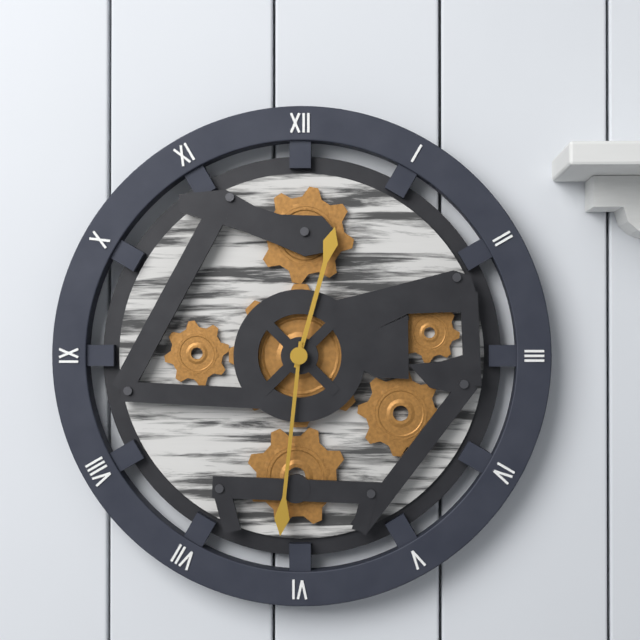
12.31
